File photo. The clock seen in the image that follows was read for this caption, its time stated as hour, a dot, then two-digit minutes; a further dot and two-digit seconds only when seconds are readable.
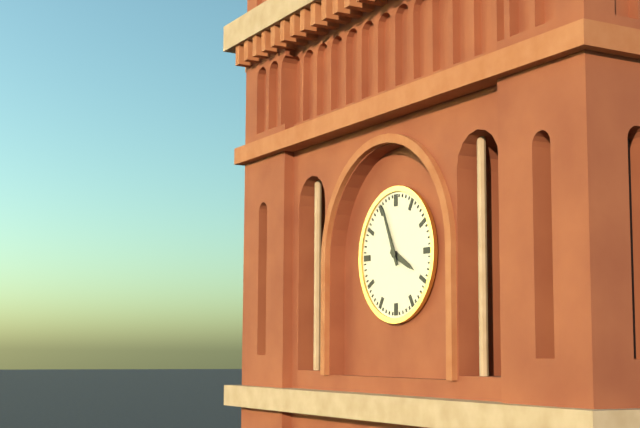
3.56
